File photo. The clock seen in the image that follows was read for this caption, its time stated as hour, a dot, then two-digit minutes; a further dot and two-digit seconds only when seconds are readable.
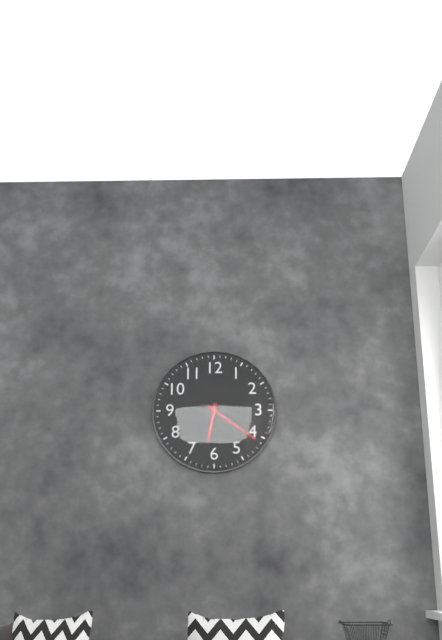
6.21
